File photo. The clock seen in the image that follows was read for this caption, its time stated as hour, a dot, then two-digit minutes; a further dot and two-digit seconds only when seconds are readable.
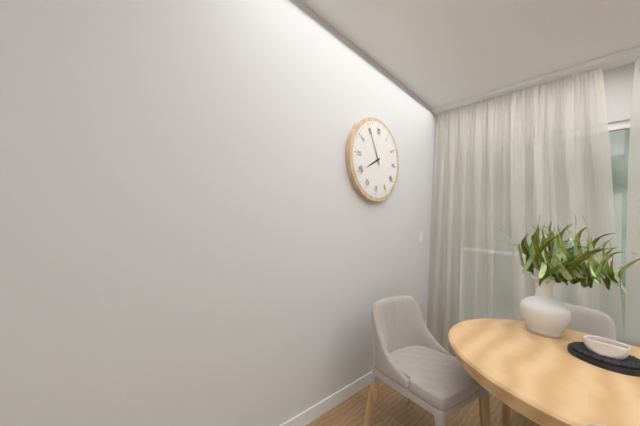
7.55
